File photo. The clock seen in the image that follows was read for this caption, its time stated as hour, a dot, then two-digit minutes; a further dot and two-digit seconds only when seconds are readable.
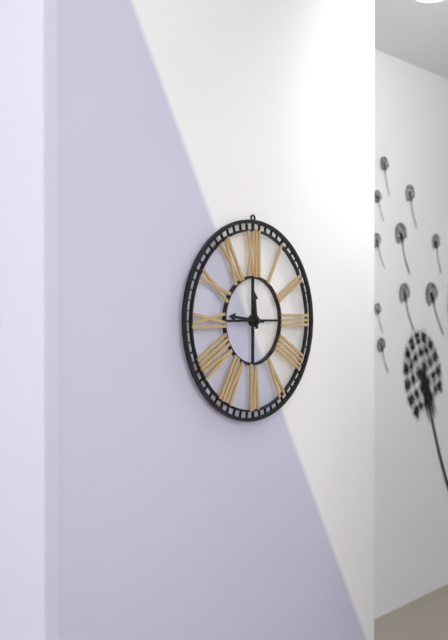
11.46
